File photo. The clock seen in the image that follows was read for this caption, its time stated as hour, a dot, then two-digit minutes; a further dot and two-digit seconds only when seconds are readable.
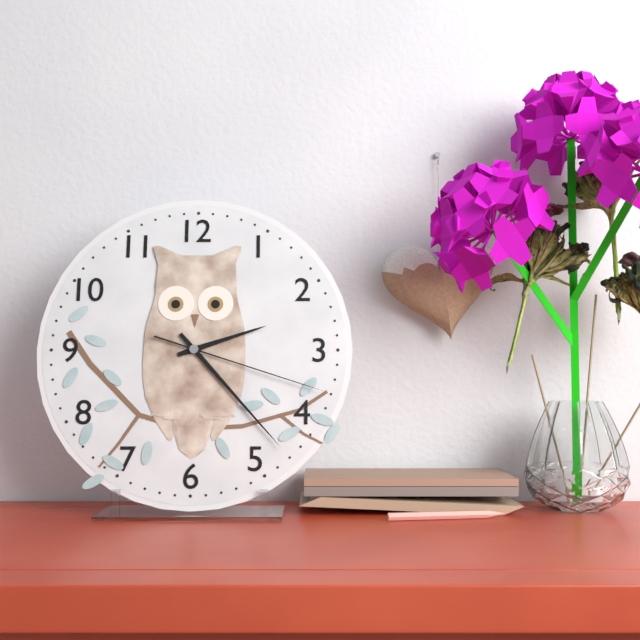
2.23.18
